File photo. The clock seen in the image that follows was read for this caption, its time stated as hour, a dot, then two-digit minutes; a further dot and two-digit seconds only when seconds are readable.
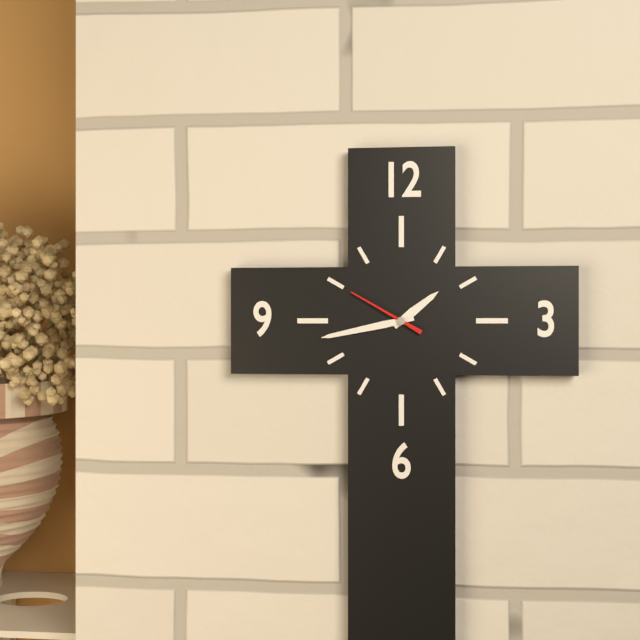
1.43.50
